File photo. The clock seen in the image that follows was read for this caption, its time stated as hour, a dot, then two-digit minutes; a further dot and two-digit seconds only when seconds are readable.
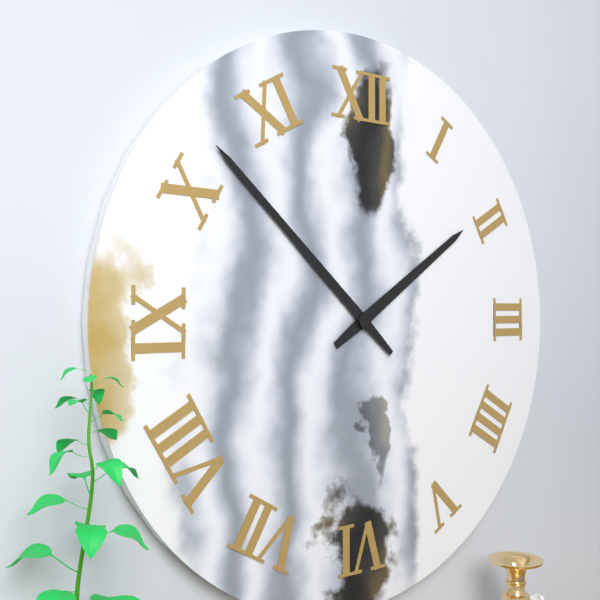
1.52
